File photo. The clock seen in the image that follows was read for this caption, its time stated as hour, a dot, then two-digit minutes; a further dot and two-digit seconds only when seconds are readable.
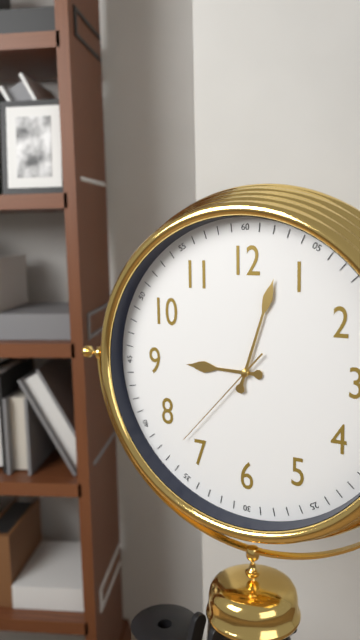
9.03.37
